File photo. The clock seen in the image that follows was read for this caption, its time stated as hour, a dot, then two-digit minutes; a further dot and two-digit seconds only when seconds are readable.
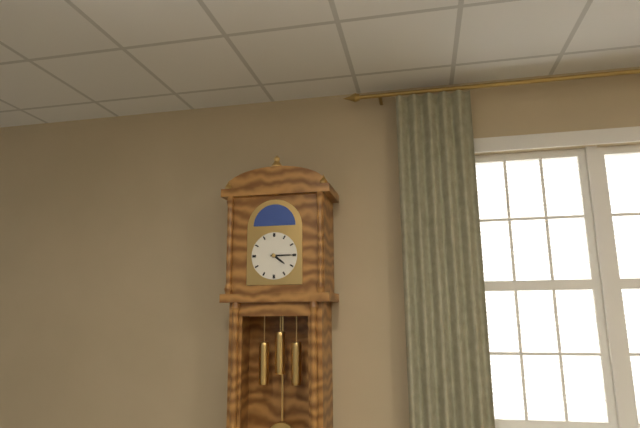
4.15
